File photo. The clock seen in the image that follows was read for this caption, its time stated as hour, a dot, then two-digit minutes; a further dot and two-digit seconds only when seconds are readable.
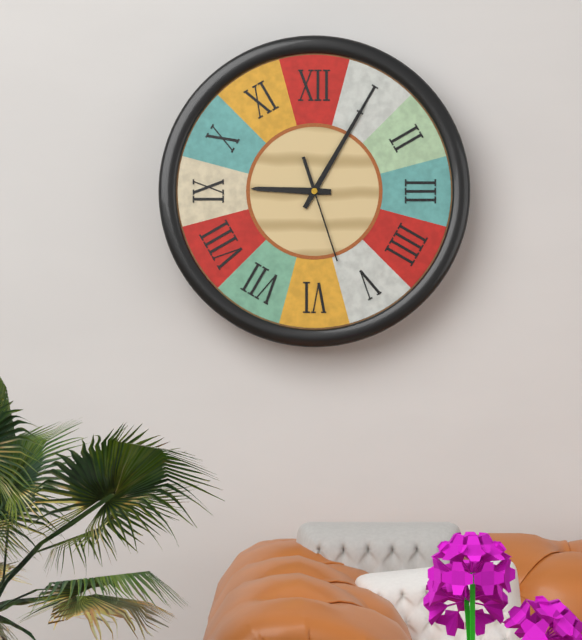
9.05.27
